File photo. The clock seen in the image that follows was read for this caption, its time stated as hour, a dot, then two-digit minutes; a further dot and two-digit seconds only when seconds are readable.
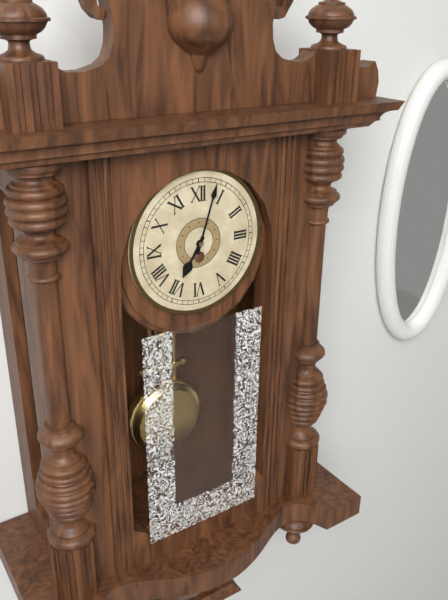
7.03
